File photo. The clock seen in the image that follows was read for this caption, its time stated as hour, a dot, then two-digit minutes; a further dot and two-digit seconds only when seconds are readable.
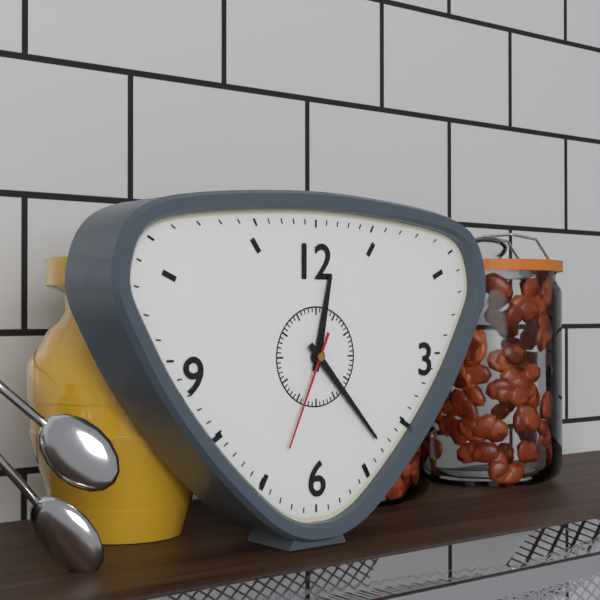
12.23.34
